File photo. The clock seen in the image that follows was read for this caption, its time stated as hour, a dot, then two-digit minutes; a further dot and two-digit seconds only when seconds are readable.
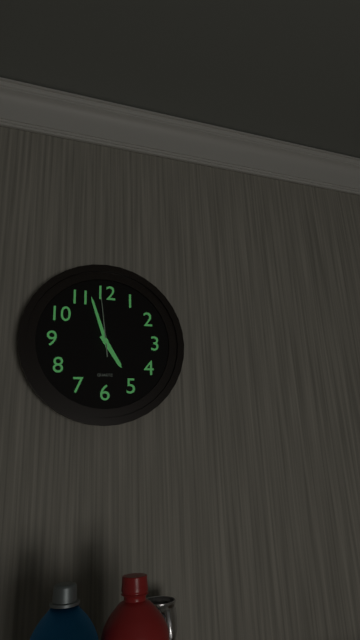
4.57.59
